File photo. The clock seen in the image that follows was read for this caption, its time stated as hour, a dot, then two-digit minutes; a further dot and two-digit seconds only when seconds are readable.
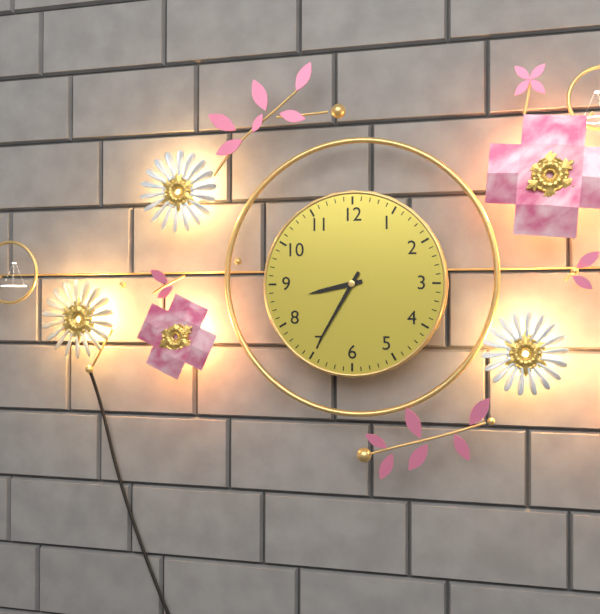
8.35
